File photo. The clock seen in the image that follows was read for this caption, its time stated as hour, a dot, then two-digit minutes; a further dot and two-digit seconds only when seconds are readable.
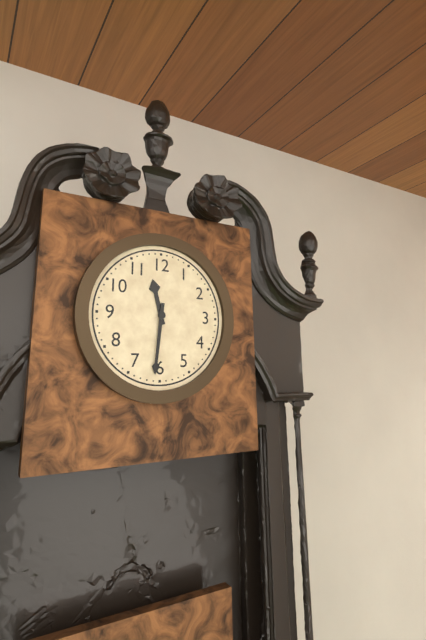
11.31
